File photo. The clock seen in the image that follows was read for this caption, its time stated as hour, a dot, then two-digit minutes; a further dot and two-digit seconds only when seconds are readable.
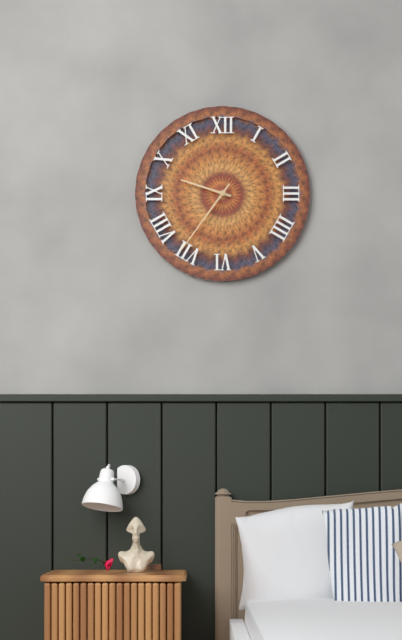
9.36
